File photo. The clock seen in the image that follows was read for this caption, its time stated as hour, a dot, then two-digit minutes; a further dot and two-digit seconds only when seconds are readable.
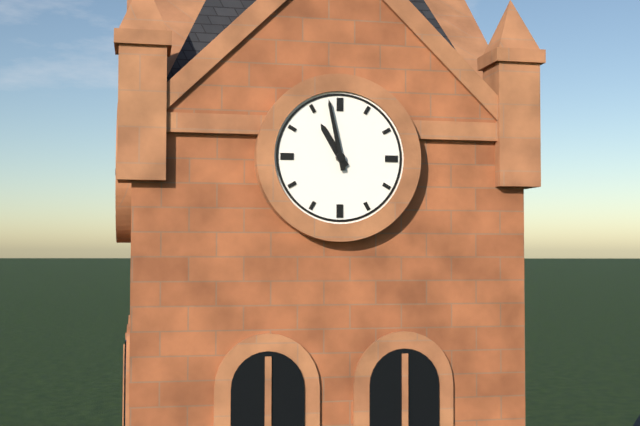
10.58
